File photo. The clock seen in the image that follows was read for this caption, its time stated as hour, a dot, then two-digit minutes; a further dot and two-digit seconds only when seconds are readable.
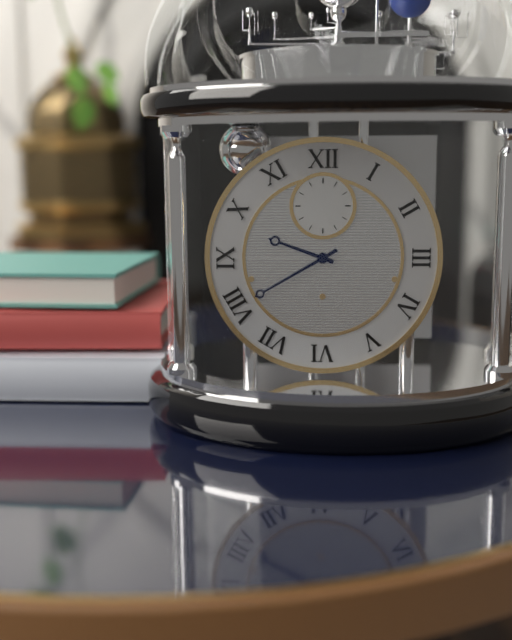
9.40
